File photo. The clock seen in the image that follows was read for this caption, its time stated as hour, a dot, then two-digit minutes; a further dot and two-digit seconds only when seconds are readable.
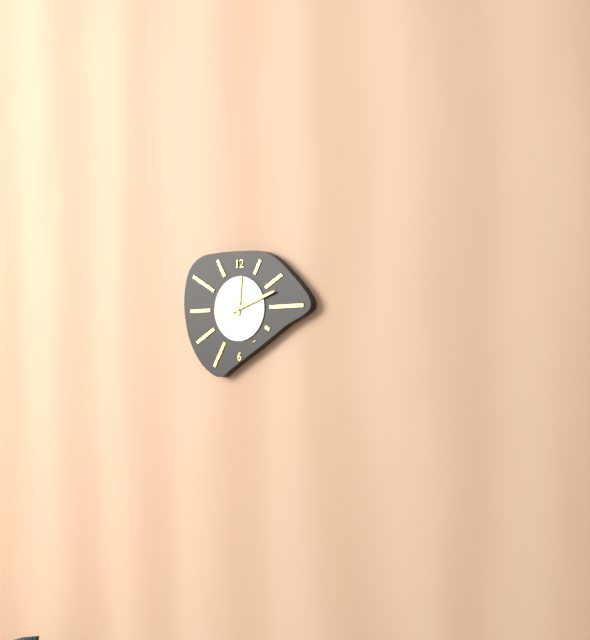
12.12
